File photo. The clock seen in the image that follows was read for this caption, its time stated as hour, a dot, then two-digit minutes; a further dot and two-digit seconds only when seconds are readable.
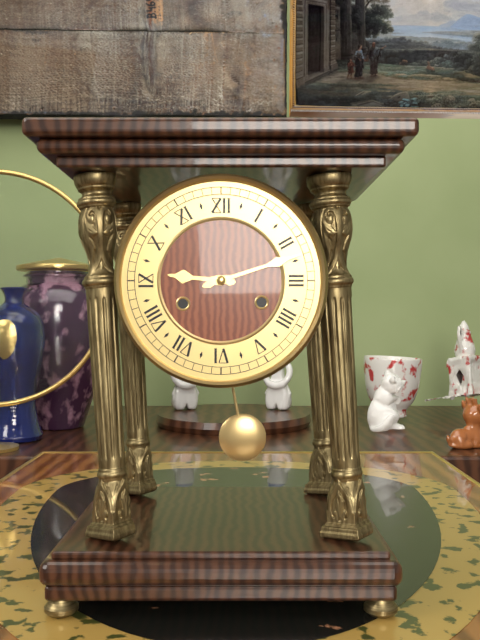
9.12
